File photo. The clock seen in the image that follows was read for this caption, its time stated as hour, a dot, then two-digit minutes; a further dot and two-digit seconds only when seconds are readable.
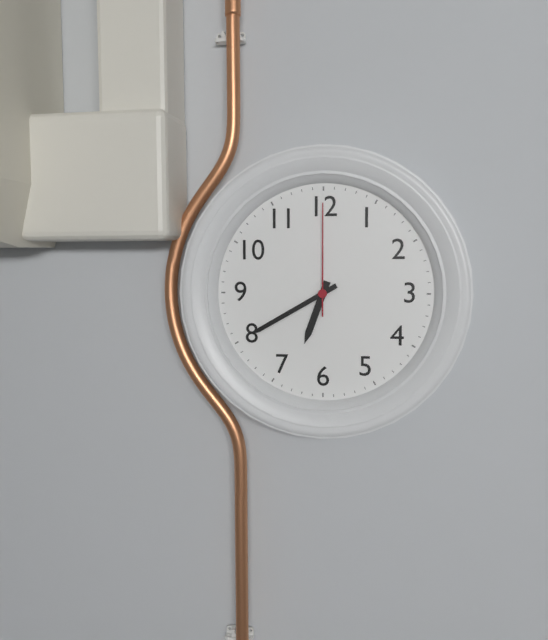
6.40.00
